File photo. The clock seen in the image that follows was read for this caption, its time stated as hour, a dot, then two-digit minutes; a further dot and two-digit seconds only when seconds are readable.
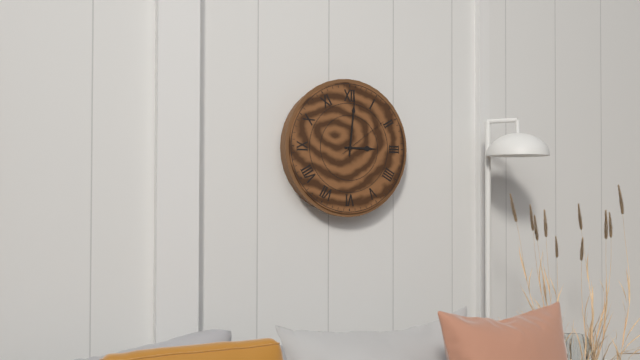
3.01.09
